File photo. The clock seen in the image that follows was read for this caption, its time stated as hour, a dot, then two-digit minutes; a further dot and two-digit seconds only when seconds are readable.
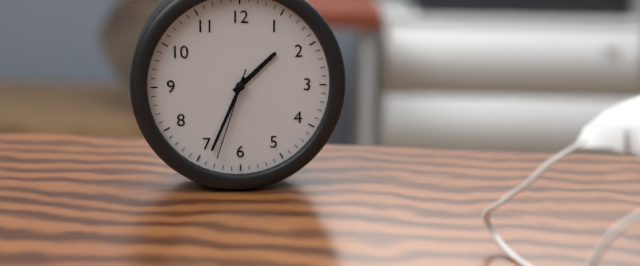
1.34.33
